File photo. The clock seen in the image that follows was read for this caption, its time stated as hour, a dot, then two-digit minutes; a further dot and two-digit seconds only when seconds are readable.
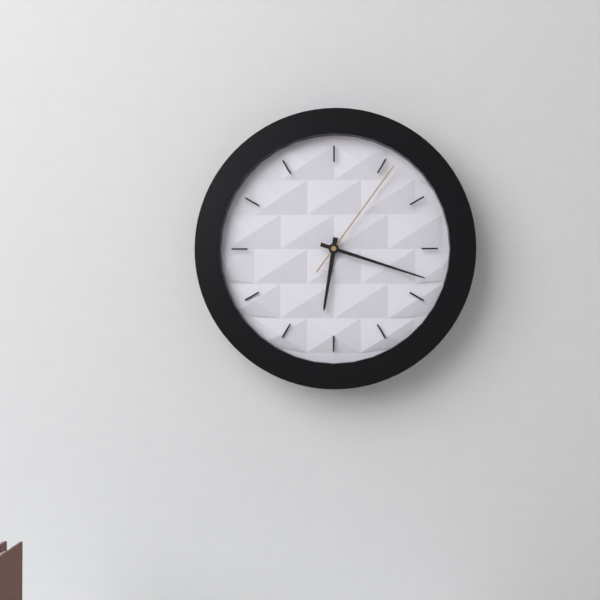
6.18.06
